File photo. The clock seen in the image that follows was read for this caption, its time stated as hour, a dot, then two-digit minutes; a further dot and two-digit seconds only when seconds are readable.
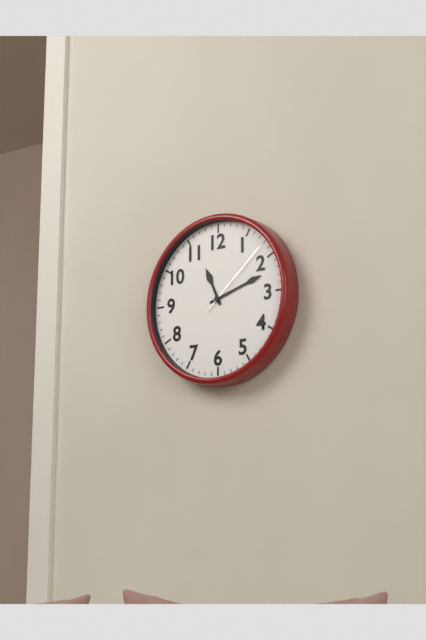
11.12.08
